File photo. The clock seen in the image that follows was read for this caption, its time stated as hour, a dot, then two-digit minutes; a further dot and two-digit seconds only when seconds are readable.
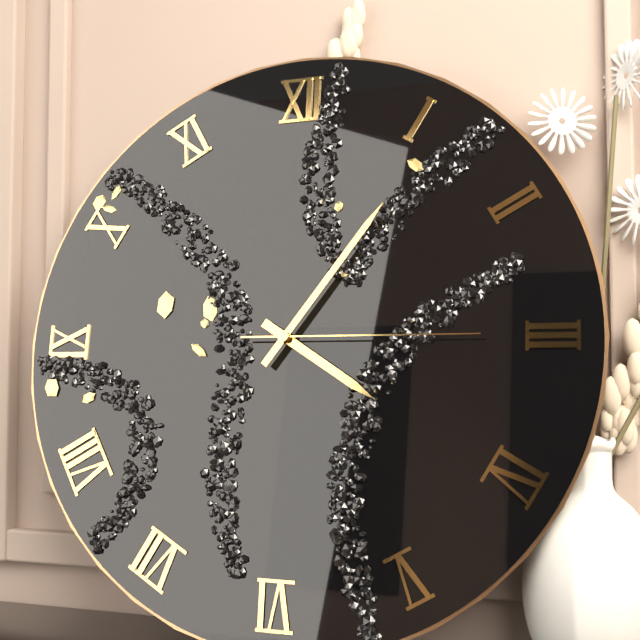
4.06.15
